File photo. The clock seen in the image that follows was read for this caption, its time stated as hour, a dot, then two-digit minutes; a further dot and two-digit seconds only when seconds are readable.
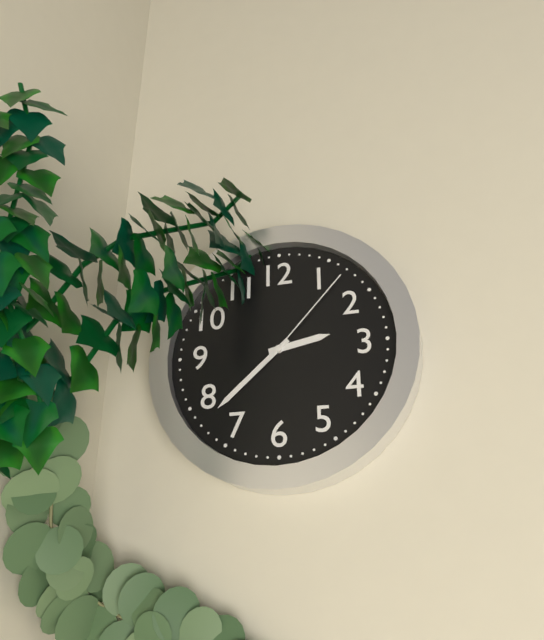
2.38.07
